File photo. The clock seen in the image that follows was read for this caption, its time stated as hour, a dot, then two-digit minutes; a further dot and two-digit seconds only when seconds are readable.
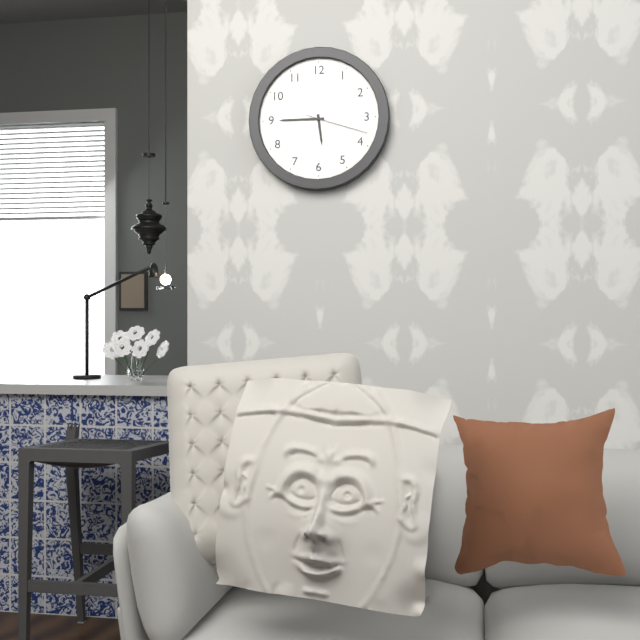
5.45.18
